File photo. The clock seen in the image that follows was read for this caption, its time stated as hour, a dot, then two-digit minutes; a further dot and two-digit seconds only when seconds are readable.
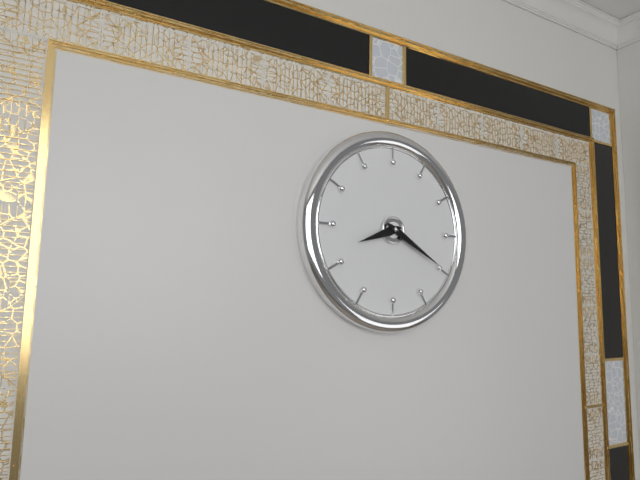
8.20
